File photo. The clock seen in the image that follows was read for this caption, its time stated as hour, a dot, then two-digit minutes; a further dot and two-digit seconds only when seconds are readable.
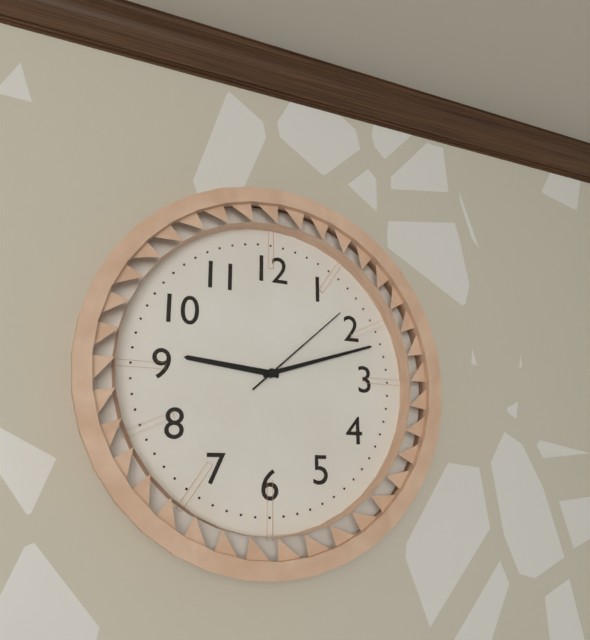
9.12.08
